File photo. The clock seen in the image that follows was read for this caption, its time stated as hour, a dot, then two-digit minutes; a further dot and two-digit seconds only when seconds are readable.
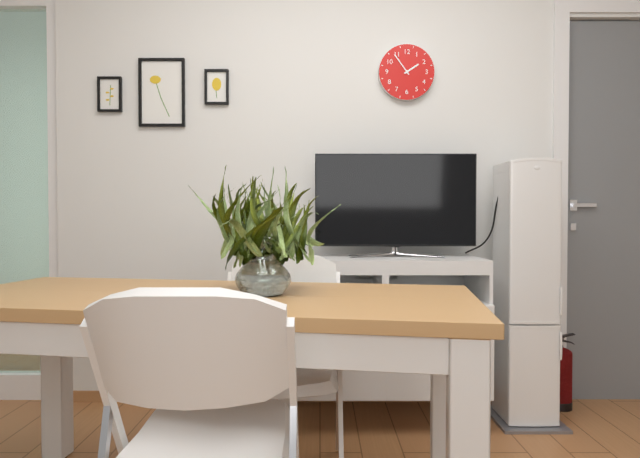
1.54
